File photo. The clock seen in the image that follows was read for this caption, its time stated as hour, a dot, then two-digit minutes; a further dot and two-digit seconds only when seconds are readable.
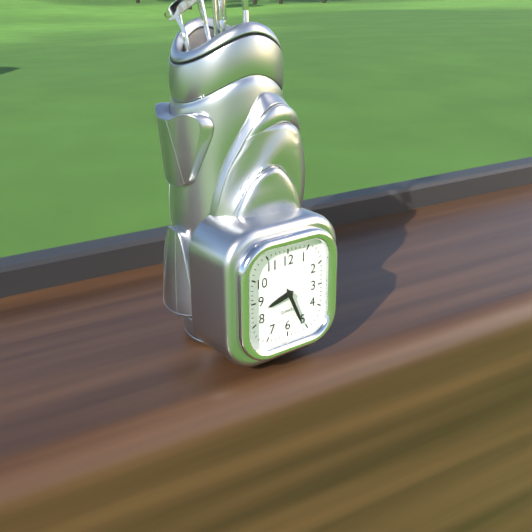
8.26
